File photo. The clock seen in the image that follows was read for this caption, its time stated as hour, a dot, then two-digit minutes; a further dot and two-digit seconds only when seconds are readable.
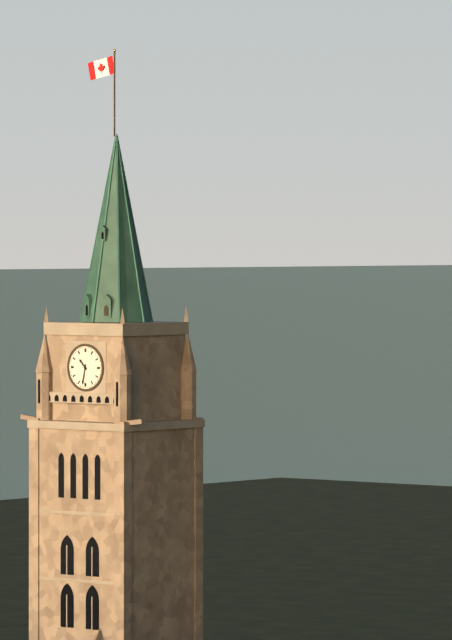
10.32
